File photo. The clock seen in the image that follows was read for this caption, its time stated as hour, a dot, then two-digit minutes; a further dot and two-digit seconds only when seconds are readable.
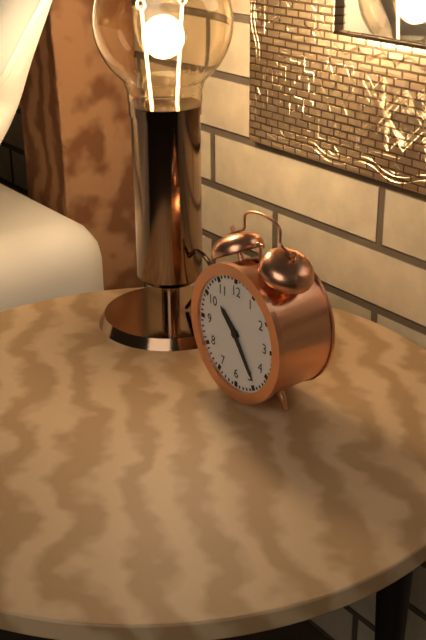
10.24
